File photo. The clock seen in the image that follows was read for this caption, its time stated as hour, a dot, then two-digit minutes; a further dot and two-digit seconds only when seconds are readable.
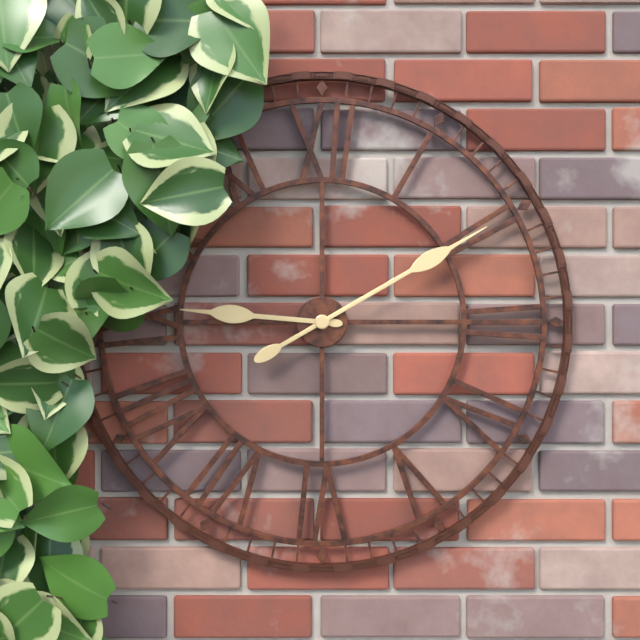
9.10
